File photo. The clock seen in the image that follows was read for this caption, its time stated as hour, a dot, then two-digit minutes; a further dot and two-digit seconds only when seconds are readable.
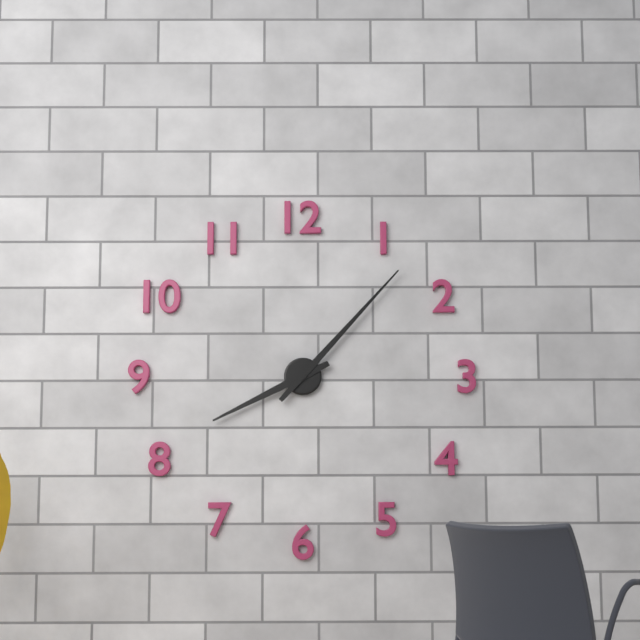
8.07
